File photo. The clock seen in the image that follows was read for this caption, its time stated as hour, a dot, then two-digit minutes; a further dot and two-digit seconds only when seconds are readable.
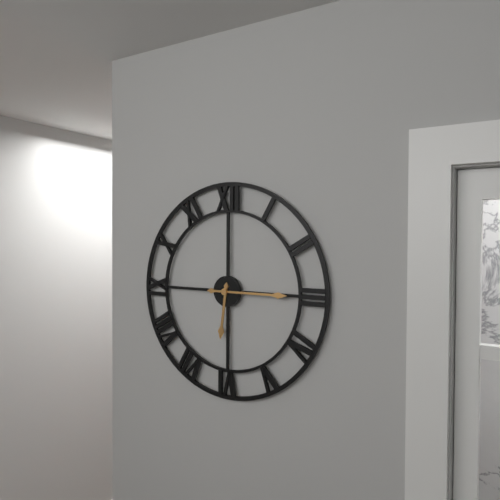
6.15
